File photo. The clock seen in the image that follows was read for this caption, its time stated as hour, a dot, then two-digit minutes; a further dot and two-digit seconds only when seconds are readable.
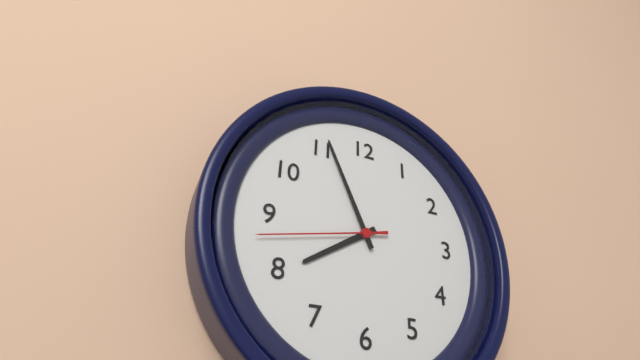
7.56.43
